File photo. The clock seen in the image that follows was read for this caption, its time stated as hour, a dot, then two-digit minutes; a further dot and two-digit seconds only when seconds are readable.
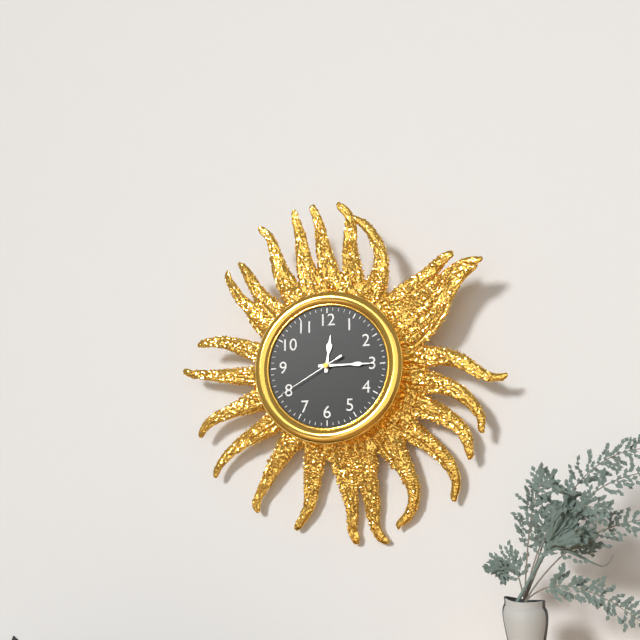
12.15.40
